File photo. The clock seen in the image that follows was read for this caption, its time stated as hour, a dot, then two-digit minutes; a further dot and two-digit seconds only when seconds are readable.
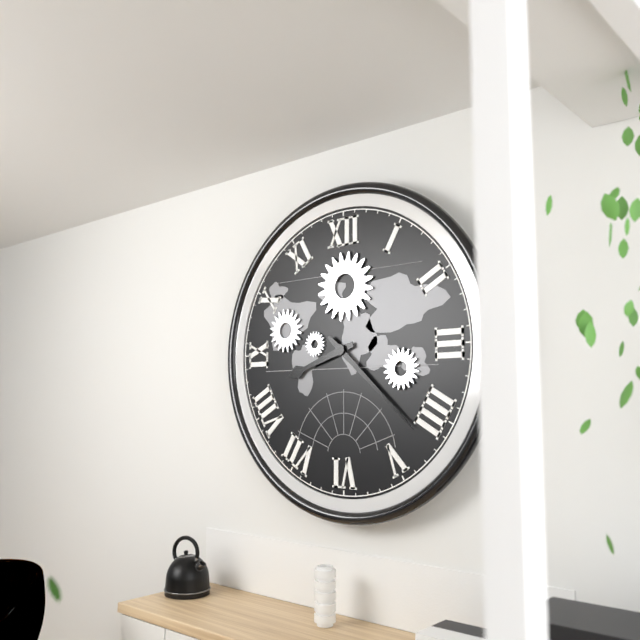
8.22
